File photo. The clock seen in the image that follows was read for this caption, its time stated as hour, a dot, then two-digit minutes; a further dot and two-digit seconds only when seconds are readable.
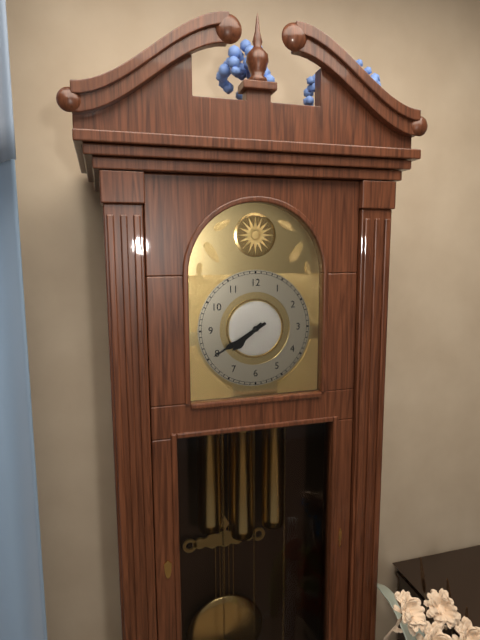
7.40
